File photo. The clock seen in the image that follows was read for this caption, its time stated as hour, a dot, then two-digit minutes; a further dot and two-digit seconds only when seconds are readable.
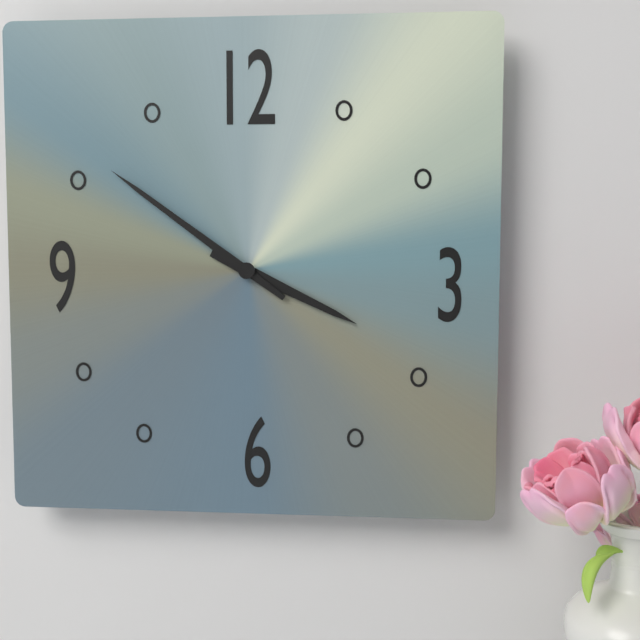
3.51
